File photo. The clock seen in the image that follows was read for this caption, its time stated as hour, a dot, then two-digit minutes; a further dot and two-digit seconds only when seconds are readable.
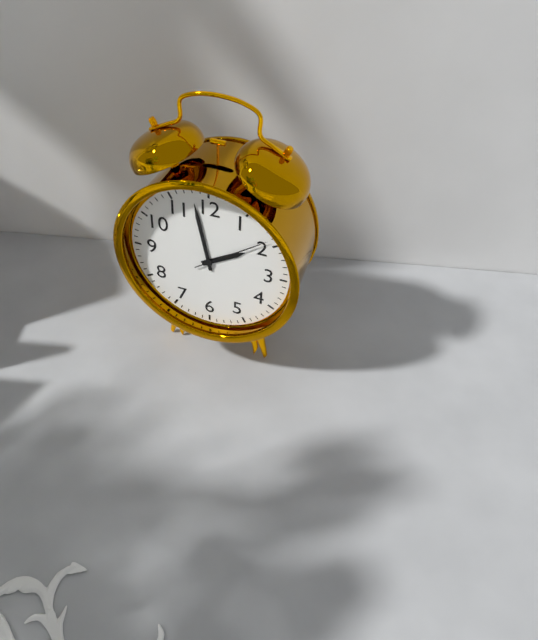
1.58.09
